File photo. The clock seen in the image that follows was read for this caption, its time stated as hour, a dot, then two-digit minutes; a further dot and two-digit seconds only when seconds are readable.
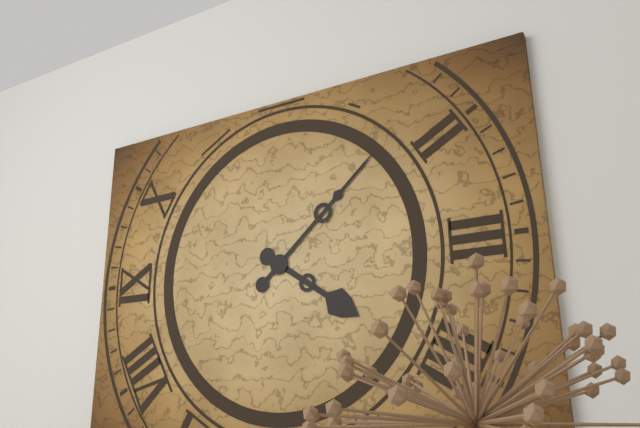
4.08
